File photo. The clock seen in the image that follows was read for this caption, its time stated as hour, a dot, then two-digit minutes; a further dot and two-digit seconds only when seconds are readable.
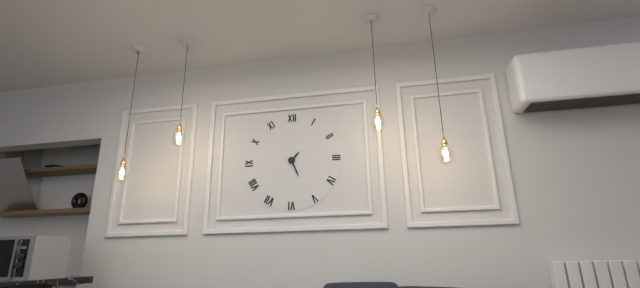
1.26
